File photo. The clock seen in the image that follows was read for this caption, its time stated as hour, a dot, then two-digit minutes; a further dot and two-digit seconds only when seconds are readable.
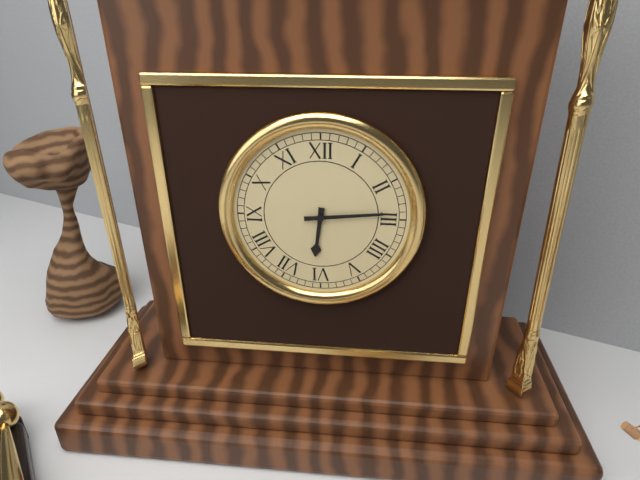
6.14
